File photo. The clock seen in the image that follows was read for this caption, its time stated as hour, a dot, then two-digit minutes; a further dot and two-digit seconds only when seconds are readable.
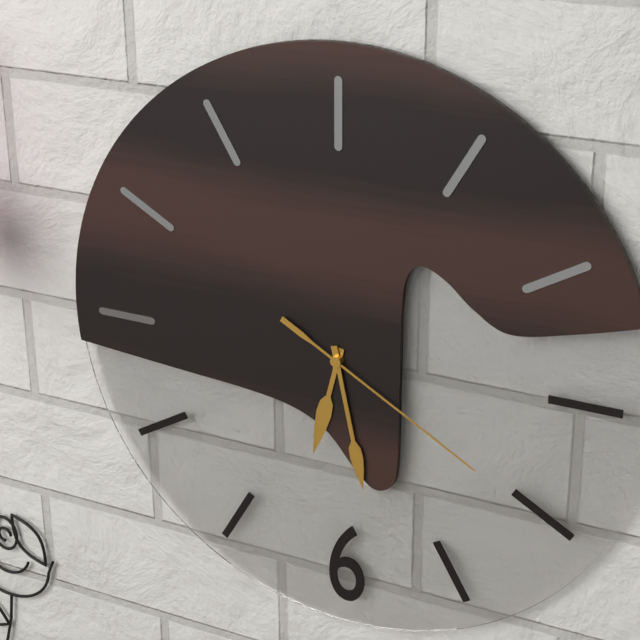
6.28.20
